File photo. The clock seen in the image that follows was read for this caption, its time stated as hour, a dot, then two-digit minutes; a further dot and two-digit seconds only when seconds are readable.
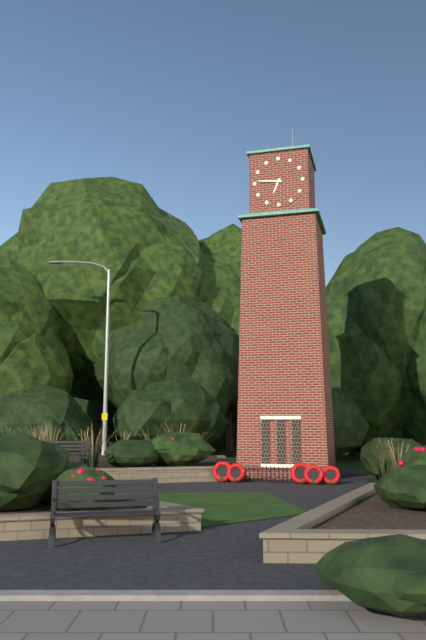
6.46
